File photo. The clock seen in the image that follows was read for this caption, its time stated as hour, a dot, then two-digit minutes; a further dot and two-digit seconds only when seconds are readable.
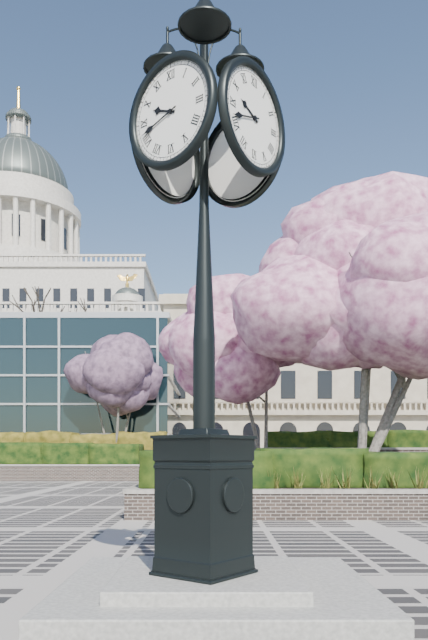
9.42
